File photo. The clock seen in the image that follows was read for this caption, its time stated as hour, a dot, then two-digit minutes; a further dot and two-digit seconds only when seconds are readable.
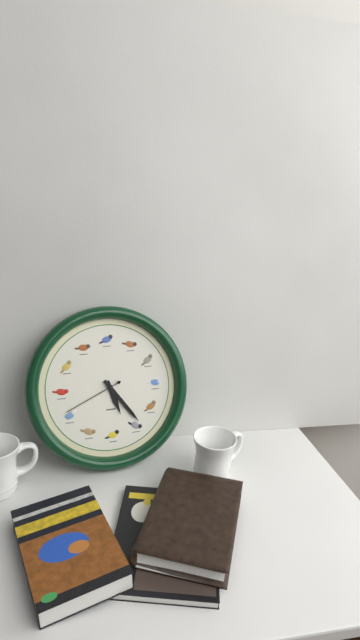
5.24.41
